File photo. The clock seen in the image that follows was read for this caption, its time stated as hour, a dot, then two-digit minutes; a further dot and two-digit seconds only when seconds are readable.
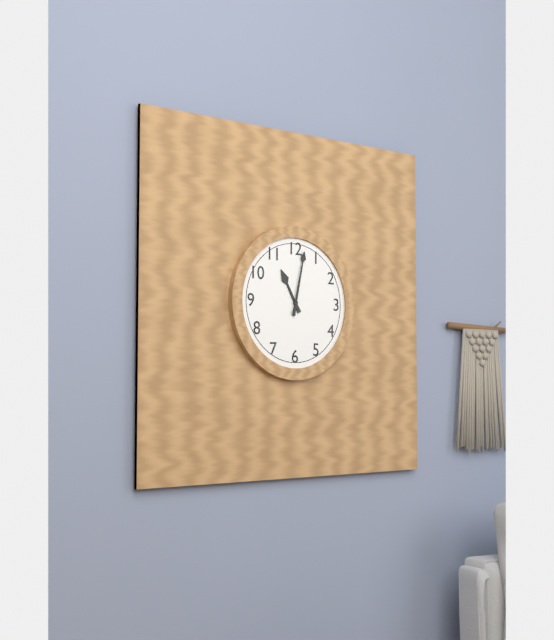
11.02
